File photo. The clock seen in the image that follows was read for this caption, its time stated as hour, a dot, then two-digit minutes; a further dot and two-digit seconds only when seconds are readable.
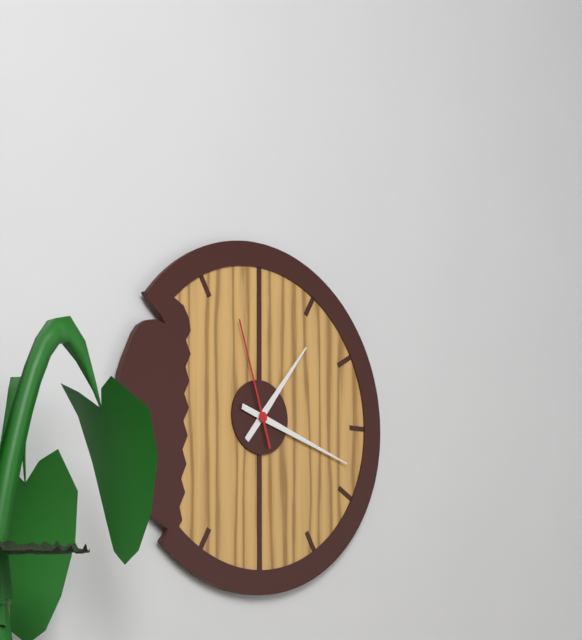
1.18.57
